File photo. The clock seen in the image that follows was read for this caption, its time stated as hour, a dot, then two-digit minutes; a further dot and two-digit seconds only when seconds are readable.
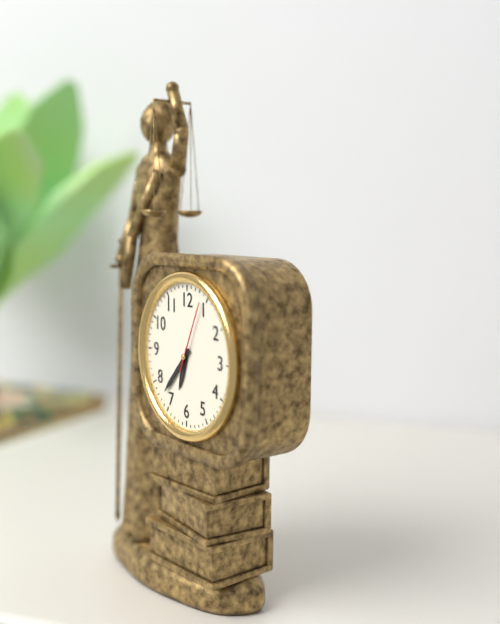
6.37.04
